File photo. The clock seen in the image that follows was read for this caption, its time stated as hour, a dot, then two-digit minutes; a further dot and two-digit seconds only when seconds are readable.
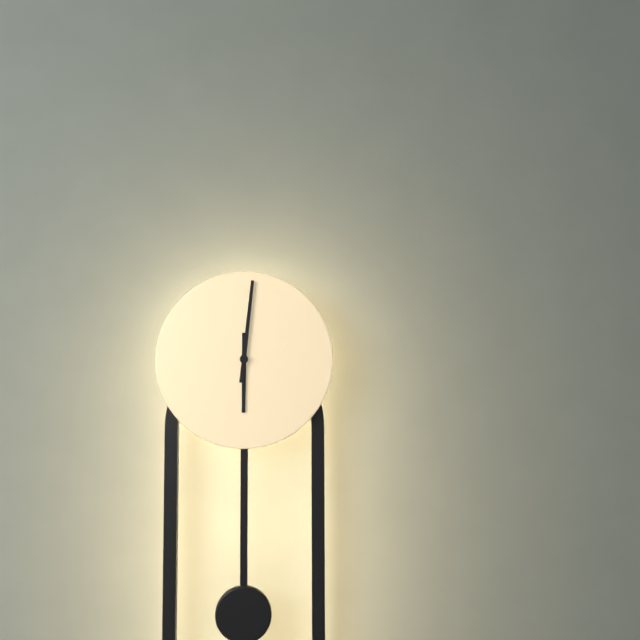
6.01
